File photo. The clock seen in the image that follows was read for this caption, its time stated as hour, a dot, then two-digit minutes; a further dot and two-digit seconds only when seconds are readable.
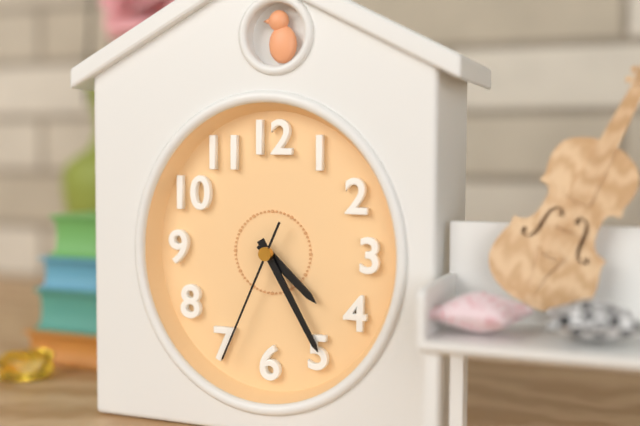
4.25.34
